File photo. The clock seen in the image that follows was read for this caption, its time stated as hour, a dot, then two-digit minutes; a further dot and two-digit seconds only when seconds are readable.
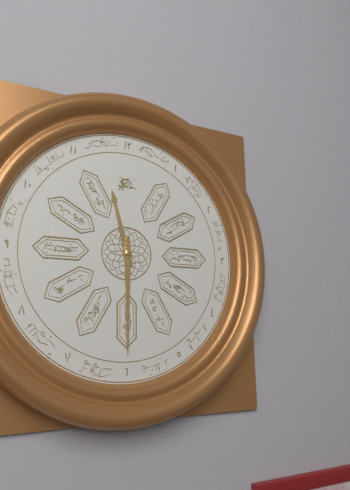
11.30
